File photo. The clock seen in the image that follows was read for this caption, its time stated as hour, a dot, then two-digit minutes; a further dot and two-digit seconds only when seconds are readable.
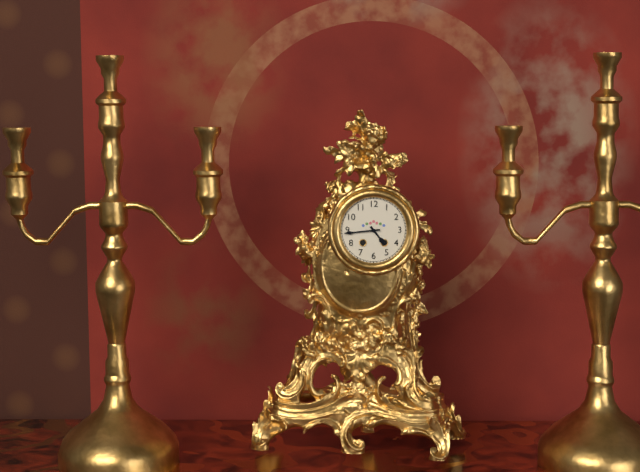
4.44
